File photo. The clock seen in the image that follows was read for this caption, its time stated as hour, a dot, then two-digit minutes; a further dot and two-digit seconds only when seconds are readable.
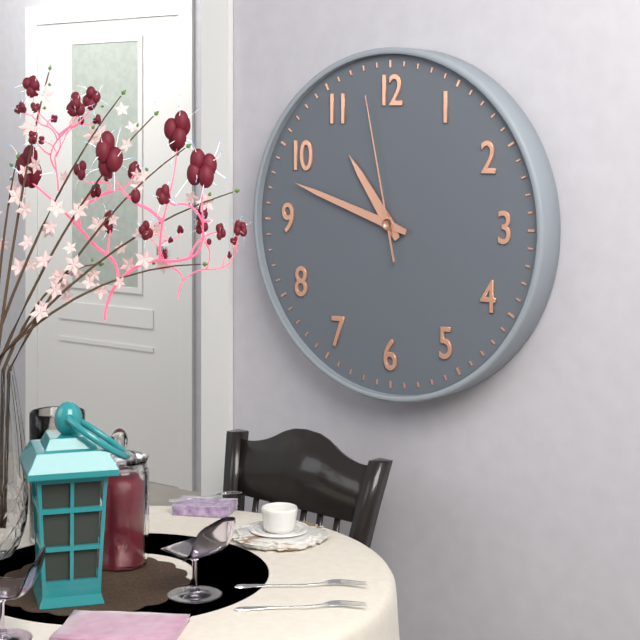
10.48.58
